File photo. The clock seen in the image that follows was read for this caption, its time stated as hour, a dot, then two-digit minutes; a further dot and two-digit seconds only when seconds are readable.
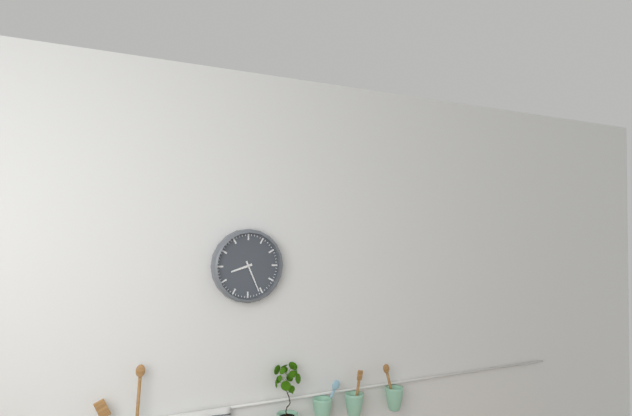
8.26
